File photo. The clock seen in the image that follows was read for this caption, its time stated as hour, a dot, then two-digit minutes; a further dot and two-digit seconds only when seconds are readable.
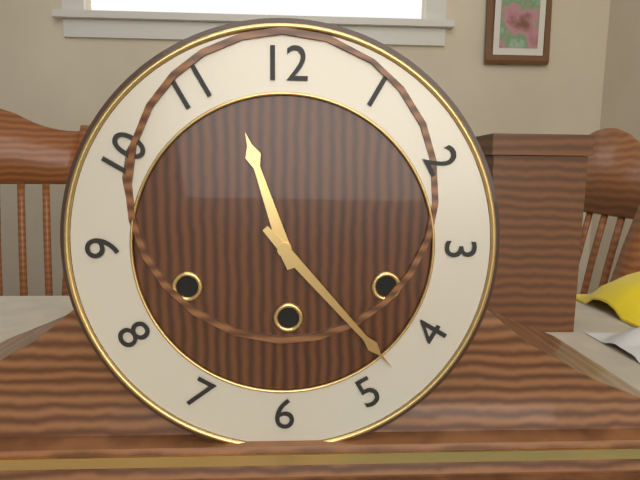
11.23
